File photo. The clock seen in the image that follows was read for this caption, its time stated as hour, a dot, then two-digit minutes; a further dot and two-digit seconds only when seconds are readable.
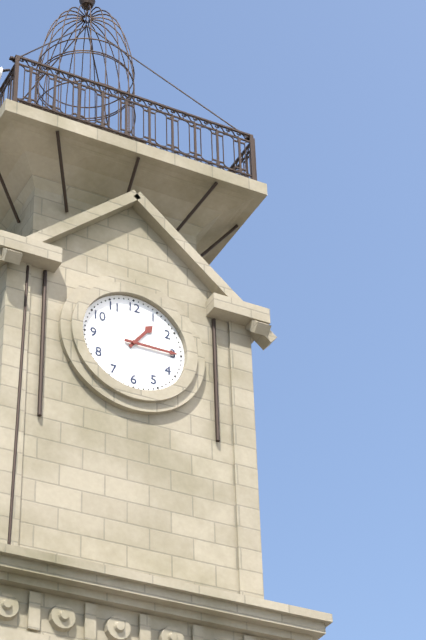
1.15
